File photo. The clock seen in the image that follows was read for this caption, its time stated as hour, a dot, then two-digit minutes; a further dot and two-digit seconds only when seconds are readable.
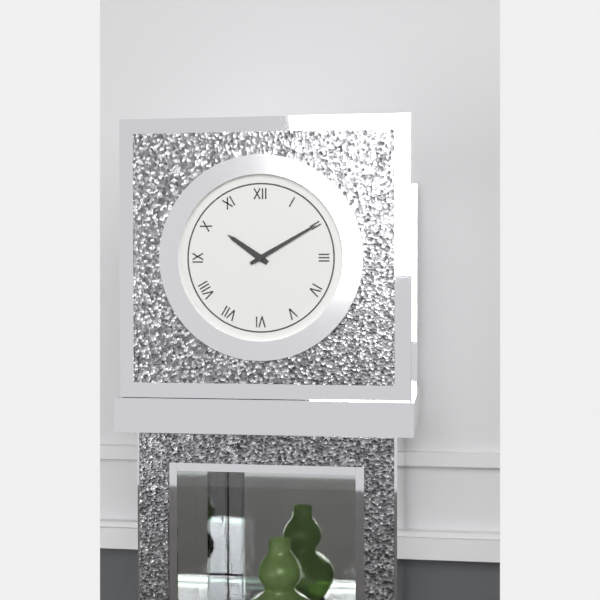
10.10
